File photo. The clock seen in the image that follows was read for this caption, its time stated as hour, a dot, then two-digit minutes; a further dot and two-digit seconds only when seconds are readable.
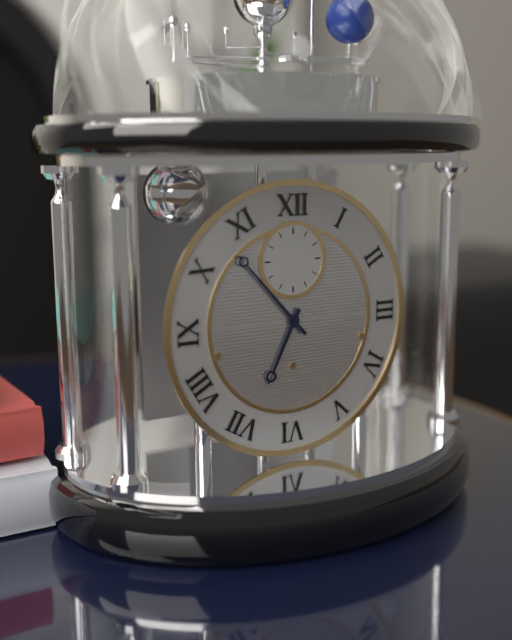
6.53
